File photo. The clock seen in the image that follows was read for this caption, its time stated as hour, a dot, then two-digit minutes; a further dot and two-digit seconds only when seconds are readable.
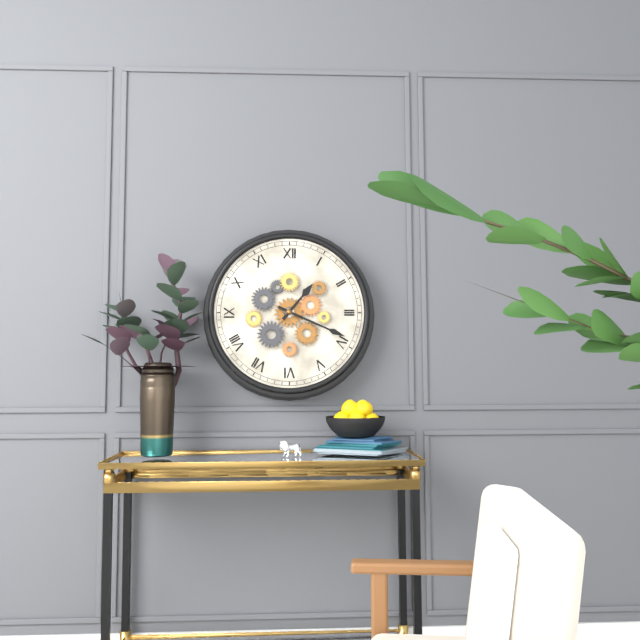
1.19
